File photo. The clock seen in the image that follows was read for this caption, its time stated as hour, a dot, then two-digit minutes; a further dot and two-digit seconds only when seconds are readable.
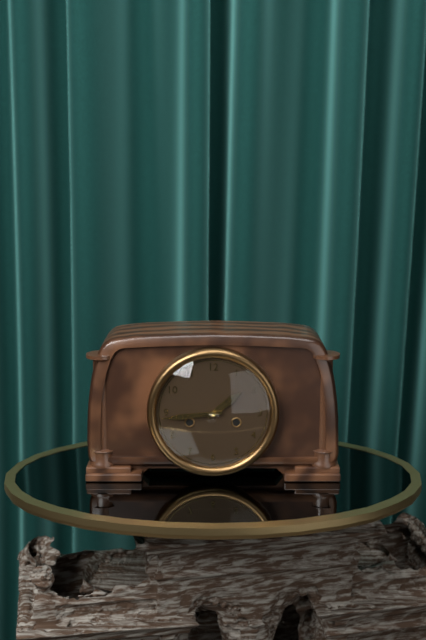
1.44
